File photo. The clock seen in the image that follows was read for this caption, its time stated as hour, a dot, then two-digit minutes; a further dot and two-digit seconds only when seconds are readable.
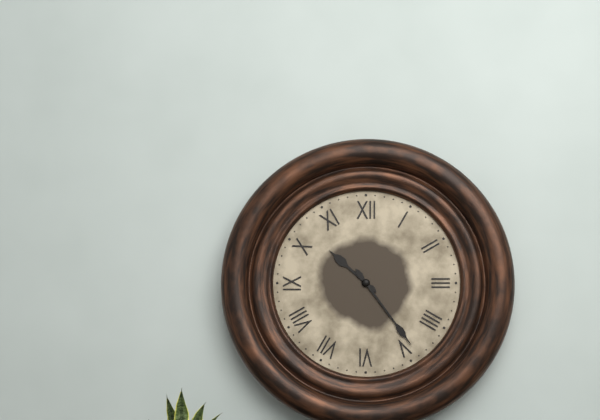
10.24
